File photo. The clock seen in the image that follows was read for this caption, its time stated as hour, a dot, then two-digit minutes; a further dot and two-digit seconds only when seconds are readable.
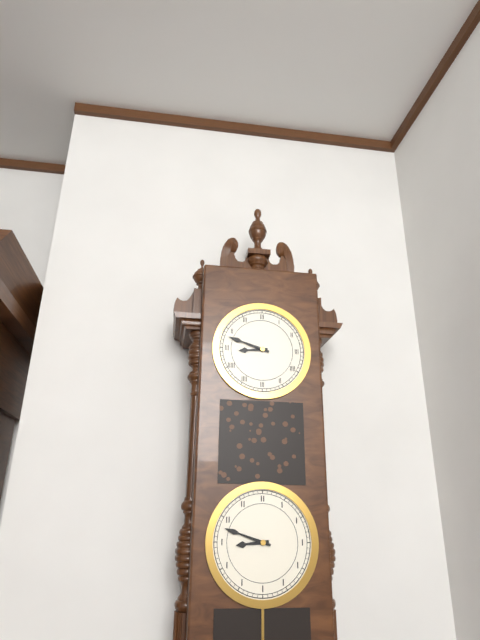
8.48
